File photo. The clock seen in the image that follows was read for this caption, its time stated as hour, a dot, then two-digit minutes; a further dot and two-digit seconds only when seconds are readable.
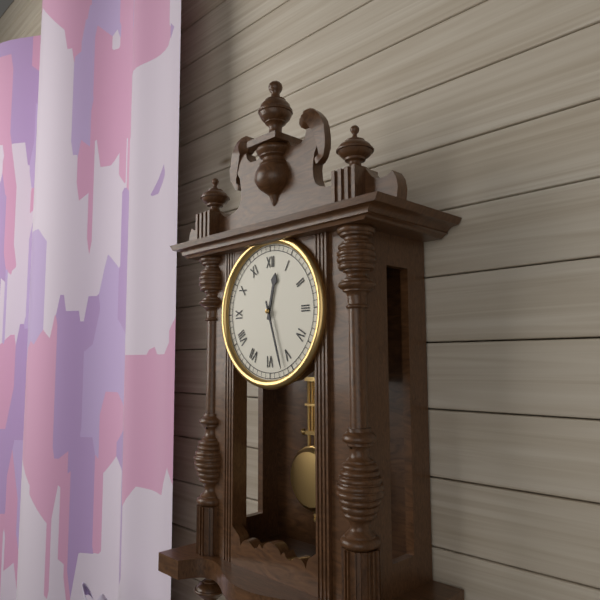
12.27
